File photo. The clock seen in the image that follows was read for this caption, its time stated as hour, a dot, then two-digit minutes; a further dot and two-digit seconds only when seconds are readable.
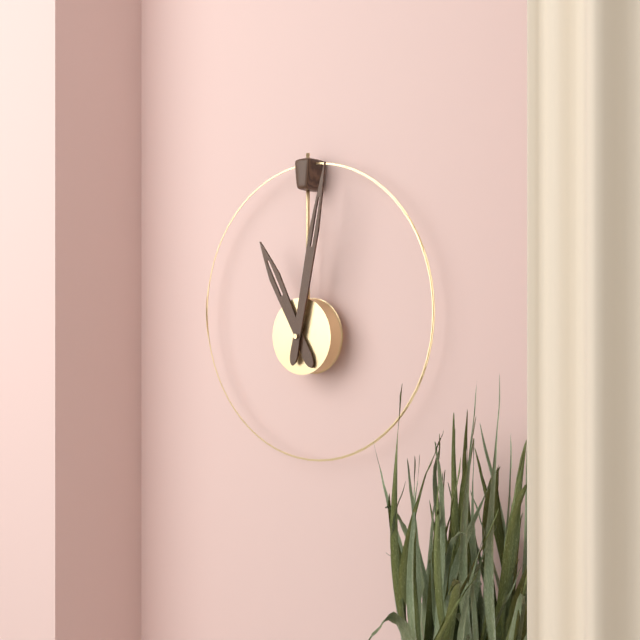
11.02
